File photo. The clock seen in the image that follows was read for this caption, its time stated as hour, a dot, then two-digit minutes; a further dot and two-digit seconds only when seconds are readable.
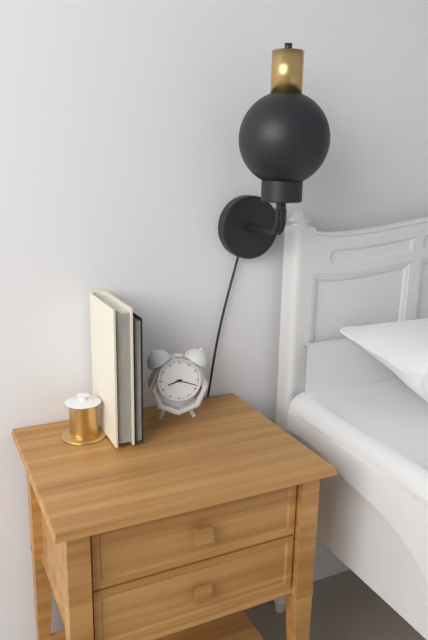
8.18
